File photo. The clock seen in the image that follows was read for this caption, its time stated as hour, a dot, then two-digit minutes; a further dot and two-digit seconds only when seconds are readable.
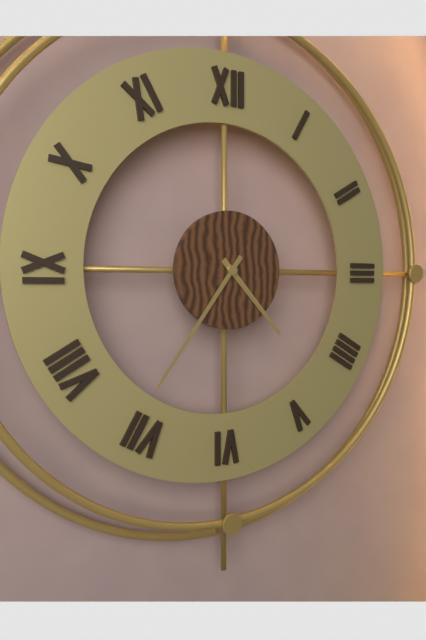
4.36
